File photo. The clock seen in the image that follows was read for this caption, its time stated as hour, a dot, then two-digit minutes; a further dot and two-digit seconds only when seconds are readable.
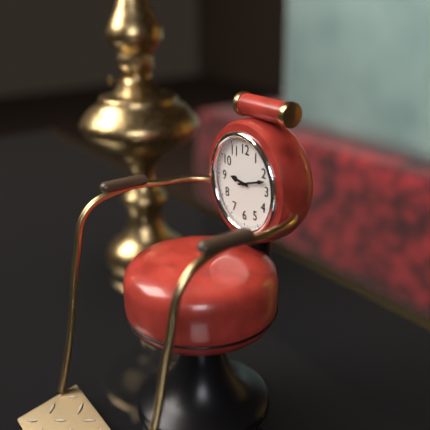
9.12
